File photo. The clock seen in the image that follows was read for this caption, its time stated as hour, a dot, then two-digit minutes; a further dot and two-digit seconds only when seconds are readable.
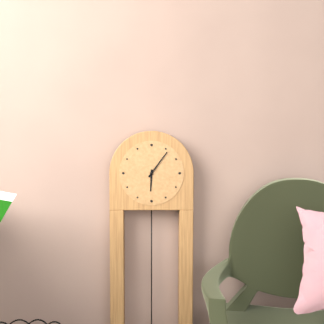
6.06
